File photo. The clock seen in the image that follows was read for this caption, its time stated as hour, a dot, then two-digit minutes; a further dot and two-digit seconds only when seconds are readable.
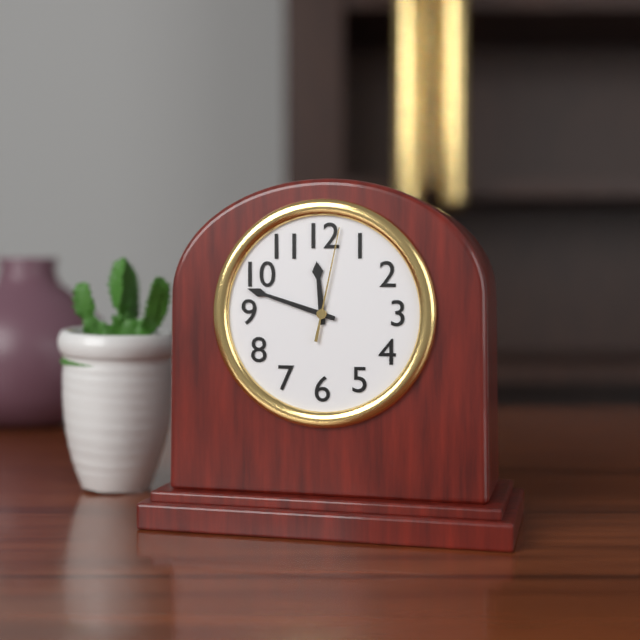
11.48.02
